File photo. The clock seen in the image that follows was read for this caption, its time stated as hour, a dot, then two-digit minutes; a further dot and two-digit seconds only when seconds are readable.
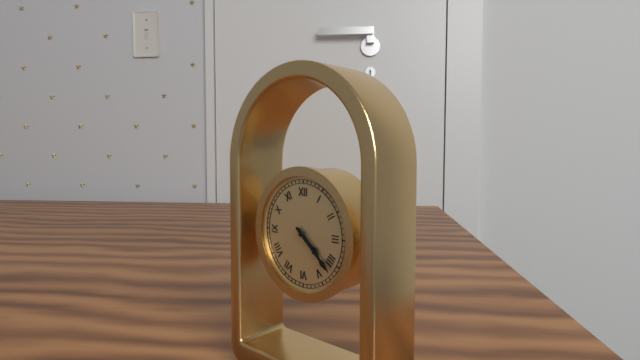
4.22
